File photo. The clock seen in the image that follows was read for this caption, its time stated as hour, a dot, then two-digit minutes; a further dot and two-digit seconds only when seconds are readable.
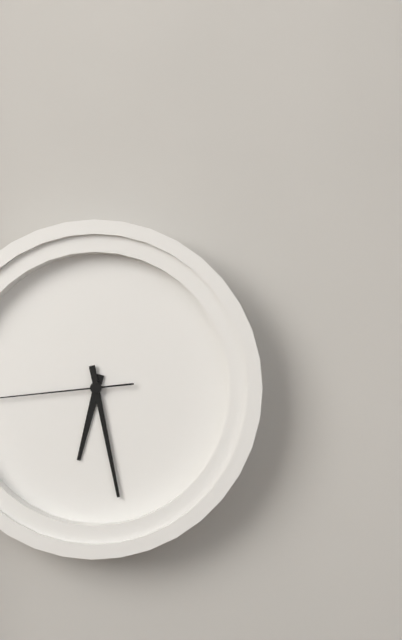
6.28
